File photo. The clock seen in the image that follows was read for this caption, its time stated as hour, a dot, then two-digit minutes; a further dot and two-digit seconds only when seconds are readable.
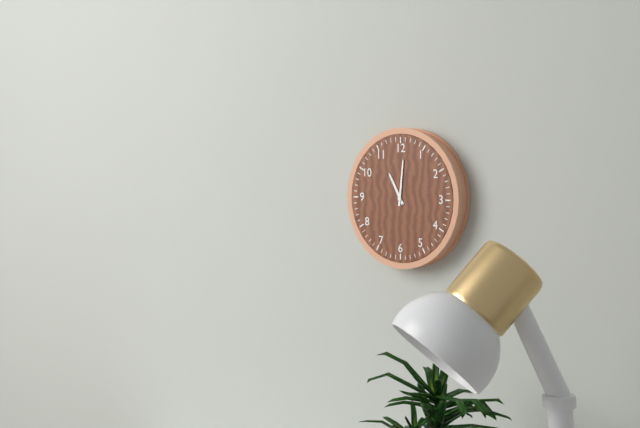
11.01
